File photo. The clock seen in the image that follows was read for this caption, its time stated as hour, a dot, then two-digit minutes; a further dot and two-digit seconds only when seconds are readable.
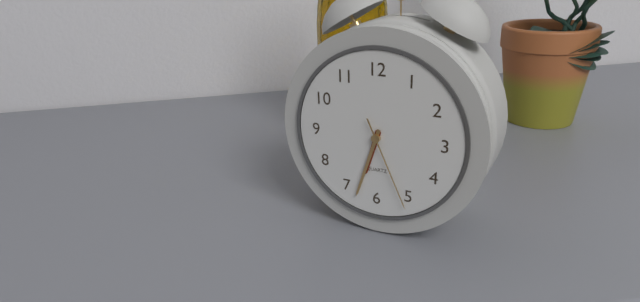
6.33.26
